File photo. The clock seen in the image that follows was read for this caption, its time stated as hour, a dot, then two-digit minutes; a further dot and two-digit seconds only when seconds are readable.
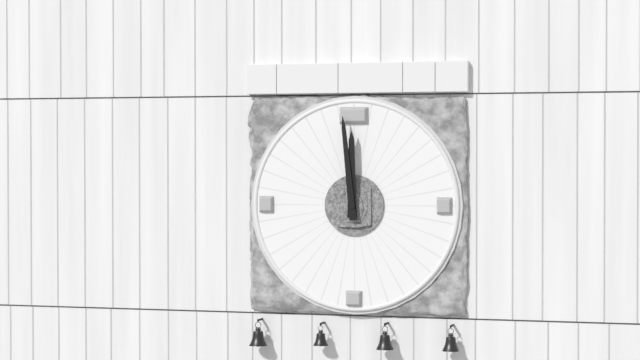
11.59
